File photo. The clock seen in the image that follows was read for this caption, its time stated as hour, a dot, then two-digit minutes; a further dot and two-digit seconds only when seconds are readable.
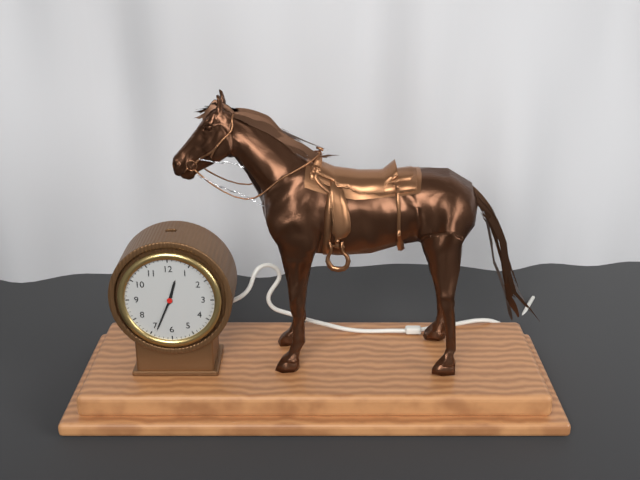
12.34
